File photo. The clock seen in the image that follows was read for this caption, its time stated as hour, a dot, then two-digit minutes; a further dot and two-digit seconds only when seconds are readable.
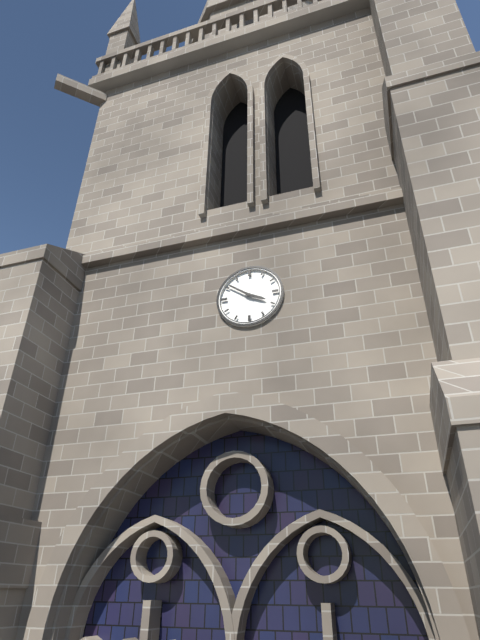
3.51
